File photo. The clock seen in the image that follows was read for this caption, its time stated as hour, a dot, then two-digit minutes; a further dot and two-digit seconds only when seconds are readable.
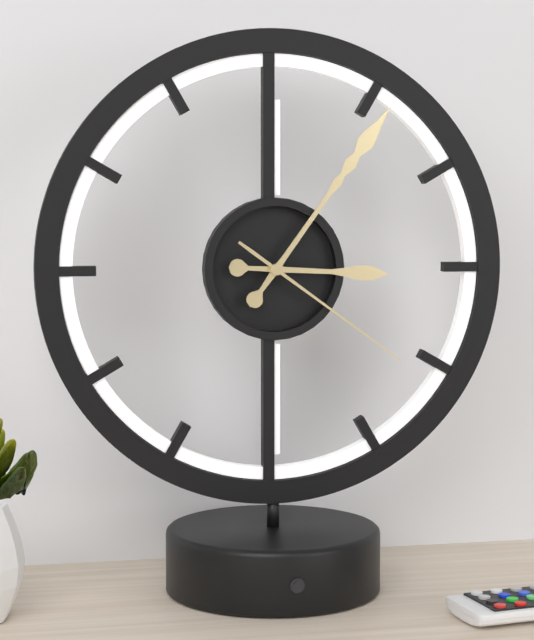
3.06.21
